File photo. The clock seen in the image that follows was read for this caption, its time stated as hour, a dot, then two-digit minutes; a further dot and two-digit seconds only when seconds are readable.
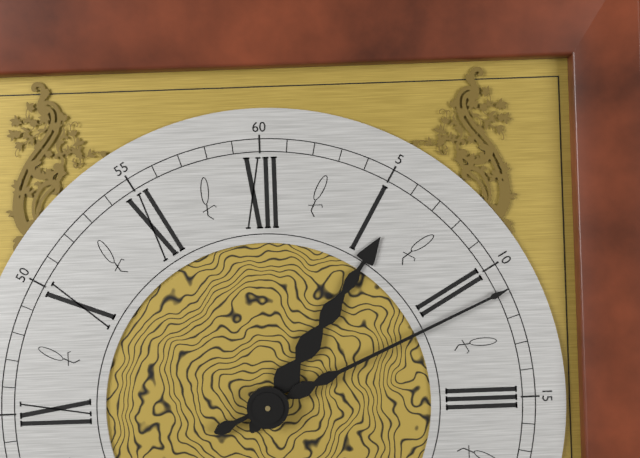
1.11
